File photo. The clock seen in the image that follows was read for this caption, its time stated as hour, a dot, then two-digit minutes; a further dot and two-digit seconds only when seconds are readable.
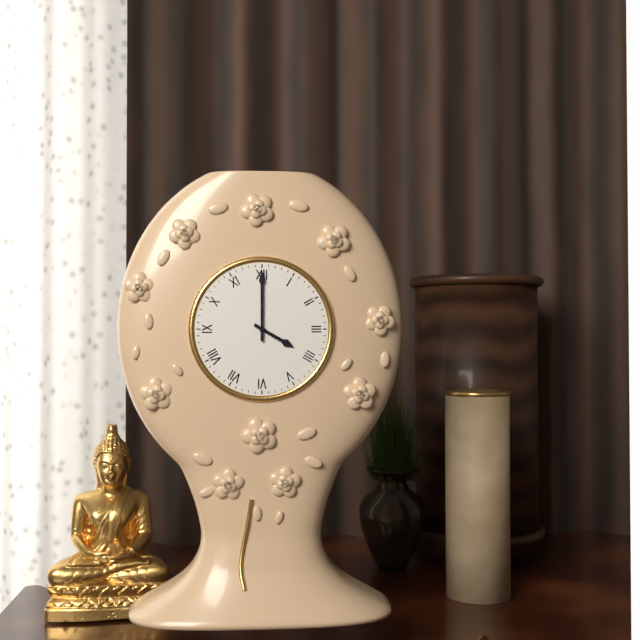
4.00
